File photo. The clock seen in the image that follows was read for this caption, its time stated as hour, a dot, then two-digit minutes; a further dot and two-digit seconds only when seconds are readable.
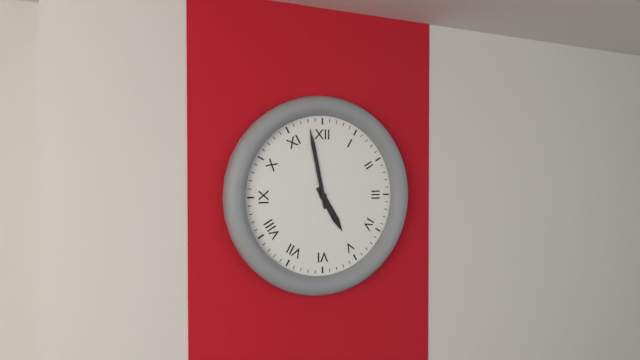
4.58
